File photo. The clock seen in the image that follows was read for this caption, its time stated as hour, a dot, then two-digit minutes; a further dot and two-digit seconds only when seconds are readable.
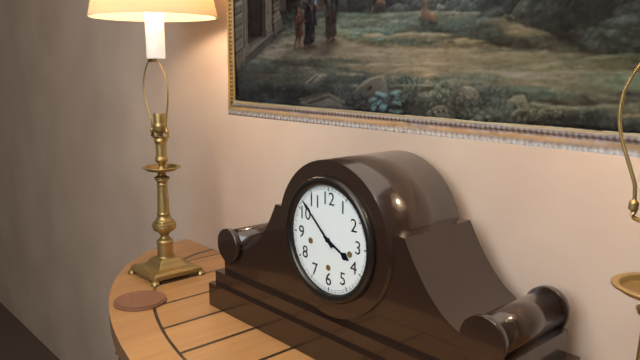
3.52
